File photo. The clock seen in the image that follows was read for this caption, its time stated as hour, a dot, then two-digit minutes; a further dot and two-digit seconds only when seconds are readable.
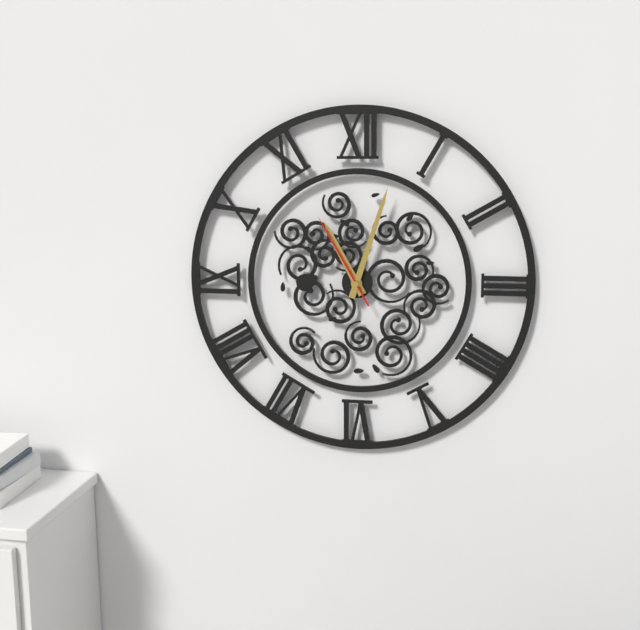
11.03.55
